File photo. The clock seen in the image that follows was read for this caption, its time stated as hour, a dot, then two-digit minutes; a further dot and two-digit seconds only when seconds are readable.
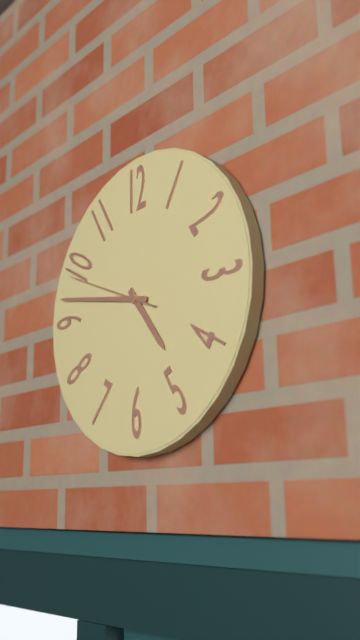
4.47.49
